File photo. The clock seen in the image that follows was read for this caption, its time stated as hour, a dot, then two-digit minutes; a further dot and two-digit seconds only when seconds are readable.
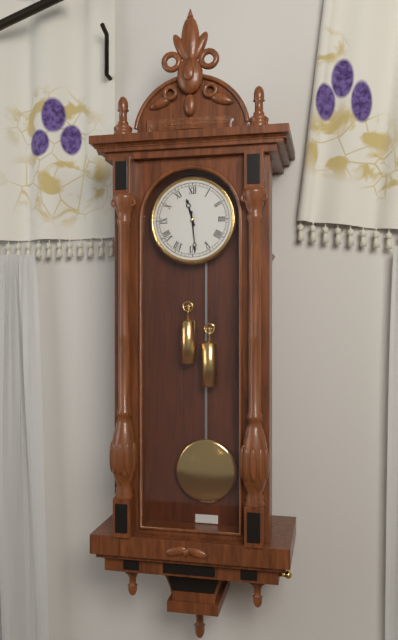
11.29
